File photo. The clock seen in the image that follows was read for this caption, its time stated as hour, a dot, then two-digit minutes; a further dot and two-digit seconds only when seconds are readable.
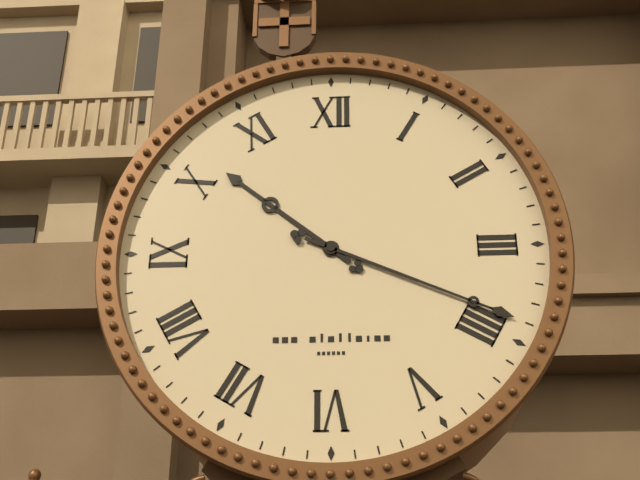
10.19
